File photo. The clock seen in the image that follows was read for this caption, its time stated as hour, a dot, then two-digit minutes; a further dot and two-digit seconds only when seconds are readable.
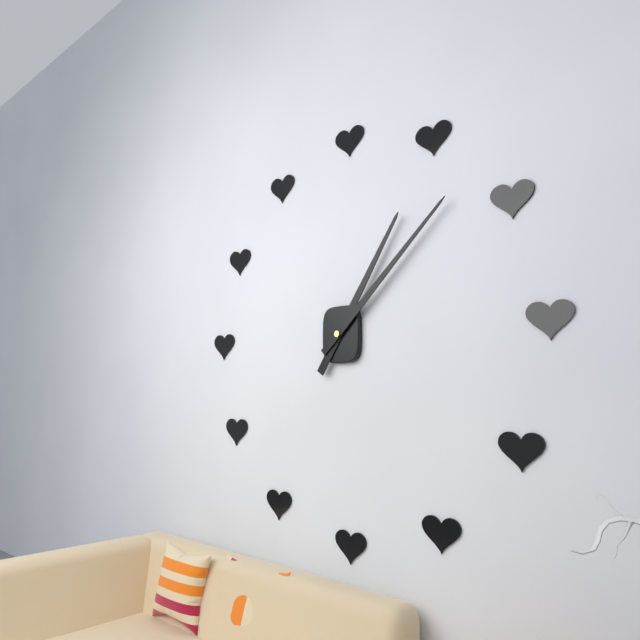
1.08
